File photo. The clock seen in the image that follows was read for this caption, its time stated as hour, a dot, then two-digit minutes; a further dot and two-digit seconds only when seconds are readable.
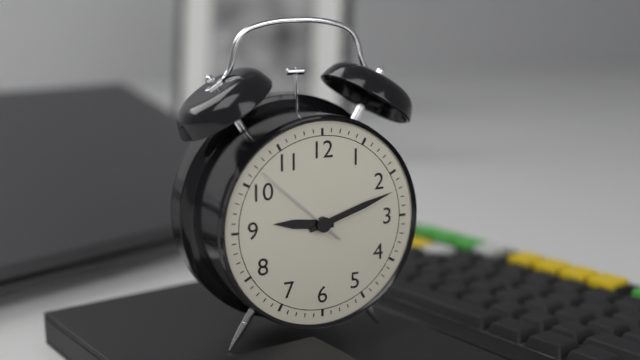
9.12.52
